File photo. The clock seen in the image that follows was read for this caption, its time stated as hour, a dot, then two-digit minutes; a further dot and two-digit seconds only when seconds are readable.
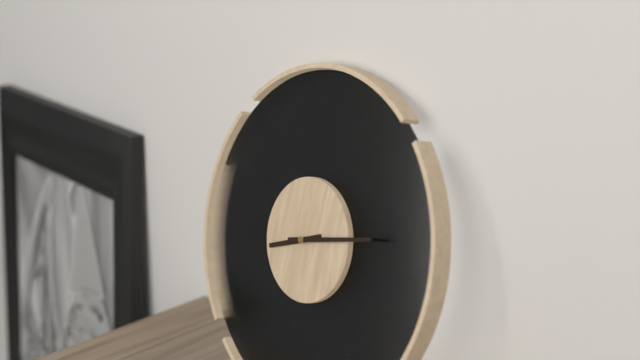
8.12
